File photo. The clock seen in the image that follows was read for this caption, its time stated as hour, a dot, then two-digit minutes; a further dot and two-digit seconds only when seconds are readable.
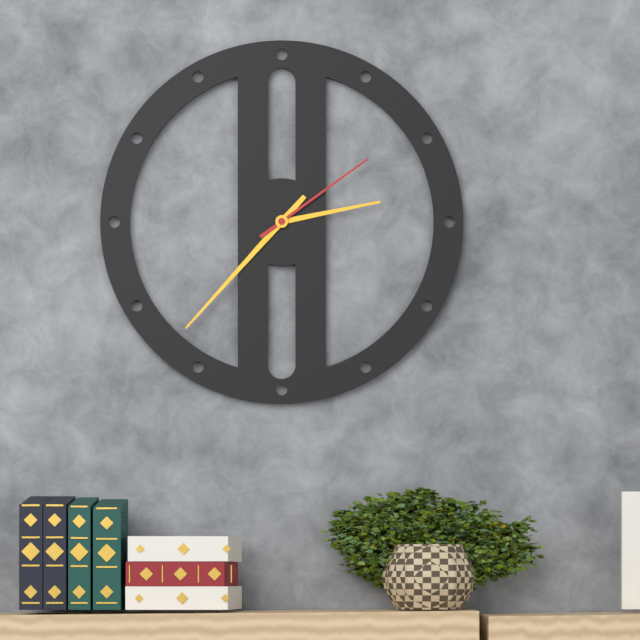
2.37.09
